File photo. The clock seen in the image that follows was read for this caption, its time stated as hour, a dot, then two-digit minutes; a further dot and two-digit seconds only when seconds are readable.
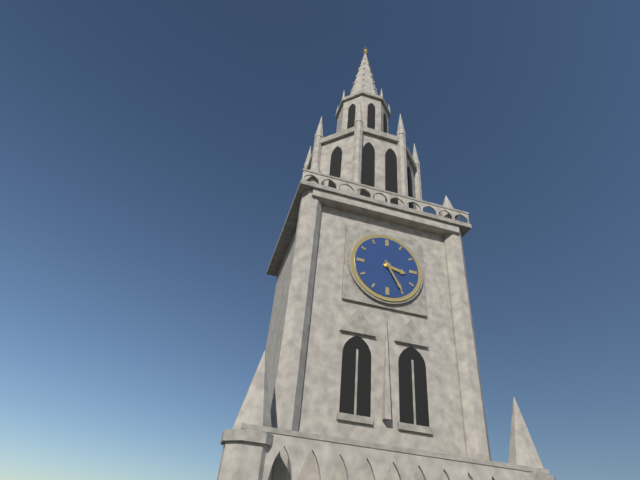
3.25
